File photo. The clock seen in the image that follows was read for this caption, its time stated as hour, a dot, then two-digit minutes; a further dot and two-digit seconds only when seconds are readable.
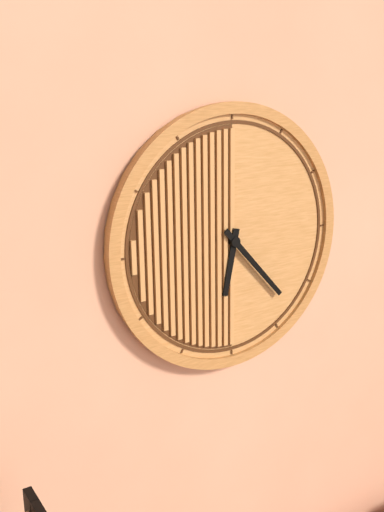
6.23
